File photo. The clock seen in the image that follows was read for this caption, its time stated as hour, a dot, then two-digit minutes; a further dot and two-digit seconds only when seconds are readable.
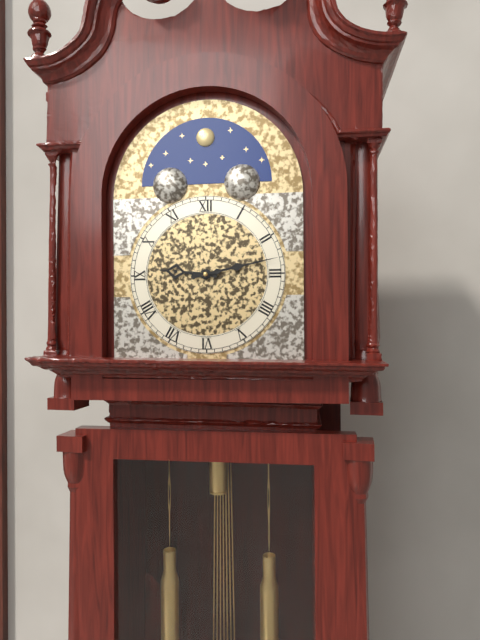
9.13
